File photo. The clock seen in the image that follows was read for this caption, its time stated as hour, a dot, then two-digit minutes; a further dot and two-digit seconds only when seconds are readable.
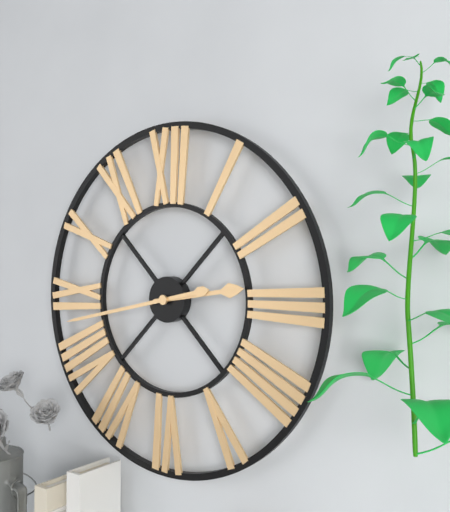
2.43
